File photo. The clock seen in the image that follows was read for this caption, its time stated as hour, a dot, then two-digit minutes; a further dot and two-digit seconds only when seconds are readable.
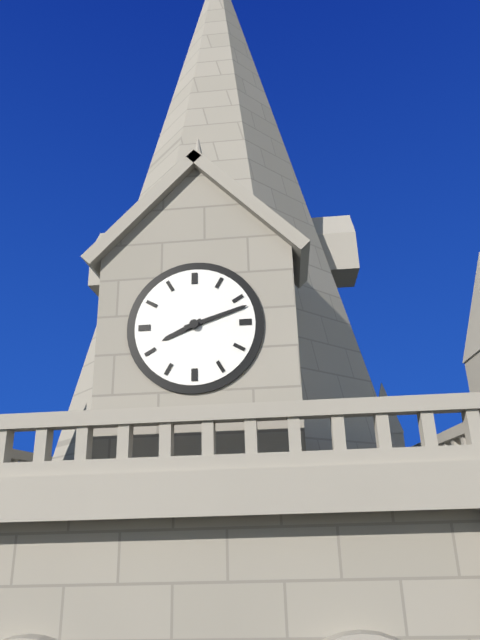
8.12
